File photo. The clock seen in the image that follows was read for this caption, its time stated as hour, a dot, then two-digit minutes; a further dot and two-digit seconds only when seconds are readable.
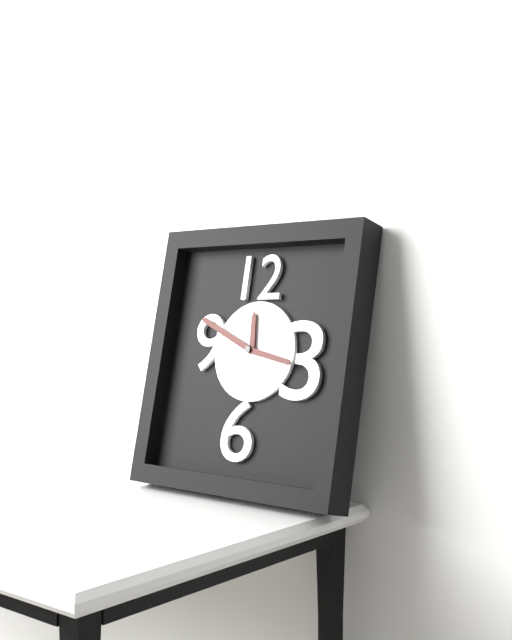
11.49
